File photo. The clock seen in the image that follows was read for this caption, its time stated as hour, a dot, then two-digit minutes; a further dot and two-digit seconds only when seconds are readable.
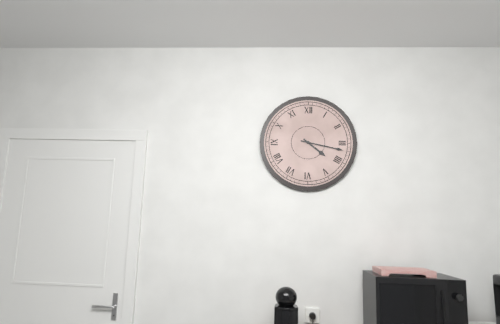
4.17
